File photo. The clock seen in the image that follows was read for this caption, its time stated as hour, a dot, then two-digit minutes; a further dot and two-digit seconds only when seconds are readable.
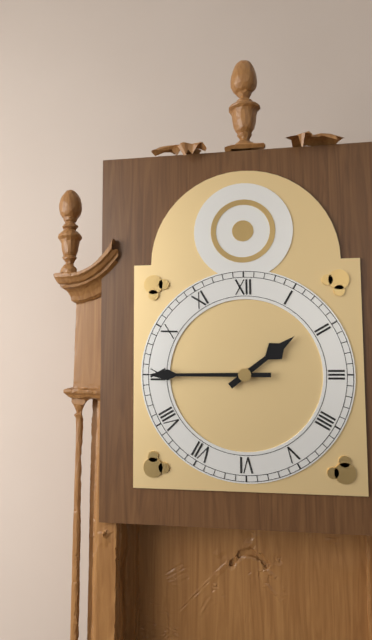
1.45
